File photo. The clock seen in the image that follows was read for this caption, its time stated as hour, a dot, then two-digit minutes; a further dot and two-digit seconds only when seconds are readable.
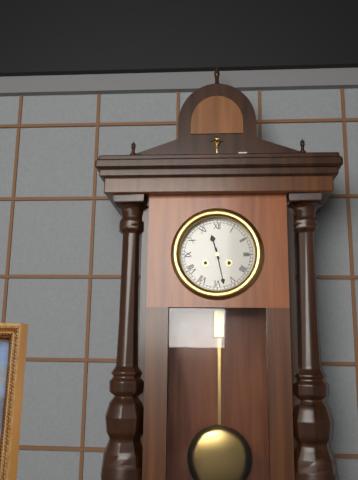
11.28
